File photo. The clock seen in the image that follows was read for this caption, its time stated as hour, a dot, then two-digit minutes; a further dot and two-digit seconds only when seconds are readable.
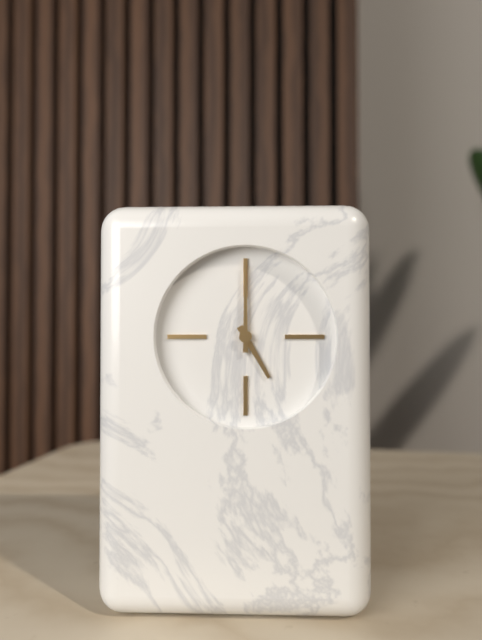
5.00
